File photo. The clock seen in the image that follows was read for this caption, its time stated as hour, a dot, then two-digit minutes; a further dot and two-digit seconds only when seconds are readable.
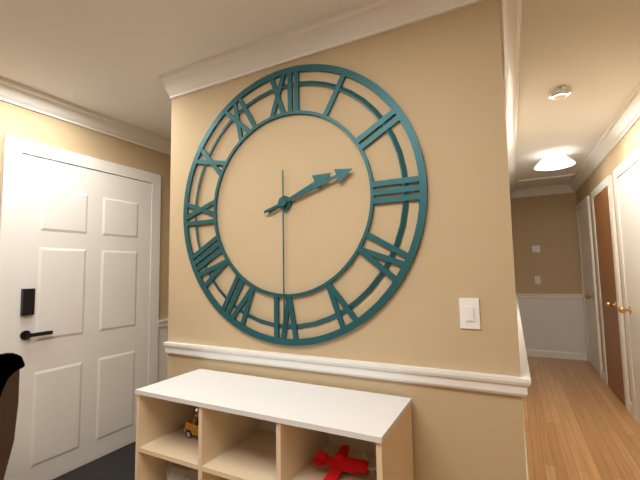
2.12.30
